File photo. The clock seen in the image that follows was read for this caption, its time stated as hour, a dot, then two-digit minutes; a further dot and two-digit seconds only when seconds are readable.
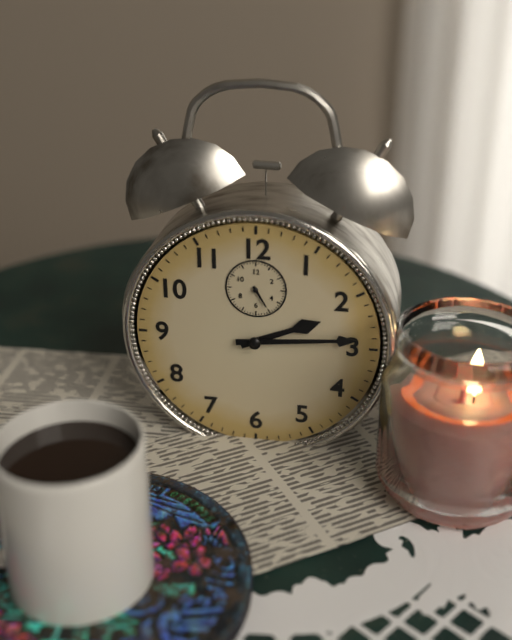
2.14
